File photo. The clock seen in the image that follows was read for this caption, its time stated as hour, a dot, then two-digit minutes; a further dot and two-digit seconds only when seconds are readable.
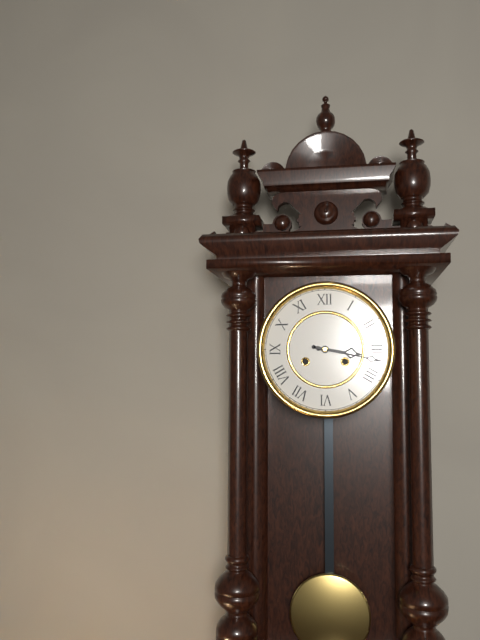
3.17
